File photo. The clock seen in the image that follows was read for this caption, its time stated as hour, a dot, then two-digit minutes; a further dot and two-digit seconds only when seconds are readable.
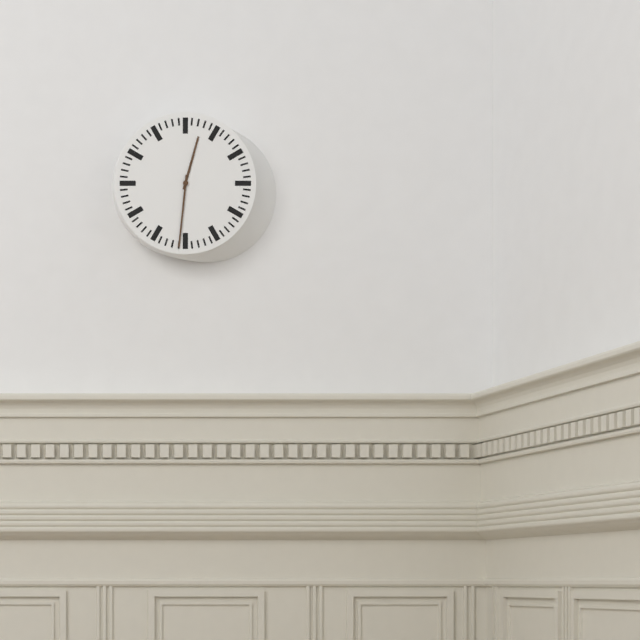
12.31
